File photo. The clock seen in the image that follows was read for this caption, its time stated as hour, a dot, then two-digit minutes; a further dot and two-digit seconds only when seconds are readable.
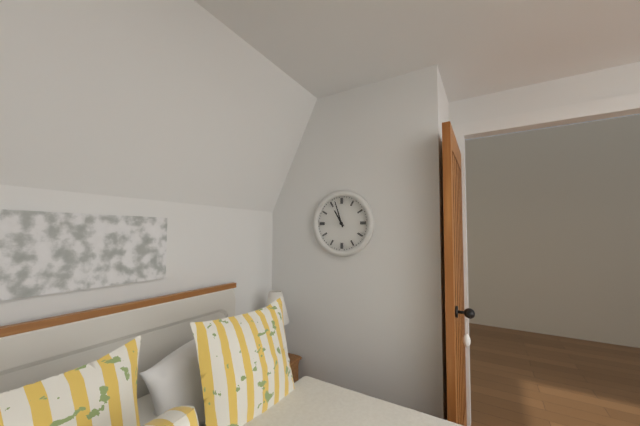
10.57
